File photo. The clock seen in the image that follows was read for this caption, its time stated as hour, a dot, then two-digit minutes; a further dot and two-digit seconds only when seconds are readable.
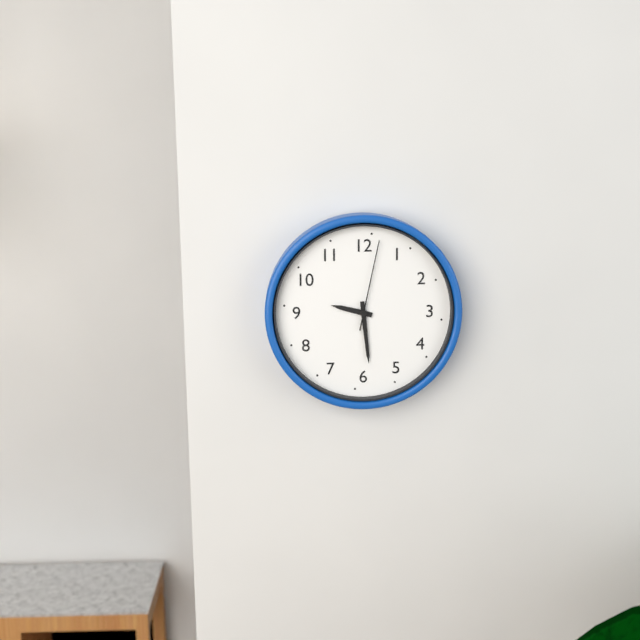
9.29.02
